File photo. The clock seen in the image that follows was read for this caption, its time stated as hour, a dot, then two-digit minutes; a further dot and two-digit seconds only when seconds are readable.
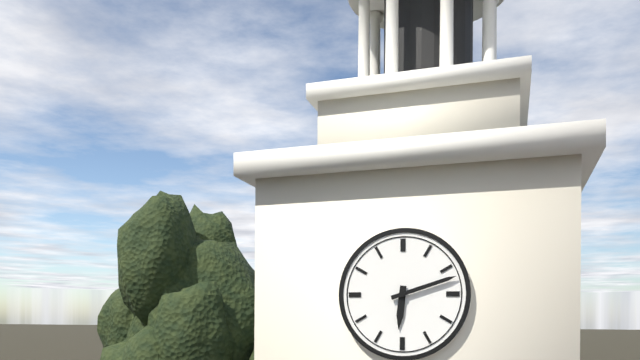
6.12
